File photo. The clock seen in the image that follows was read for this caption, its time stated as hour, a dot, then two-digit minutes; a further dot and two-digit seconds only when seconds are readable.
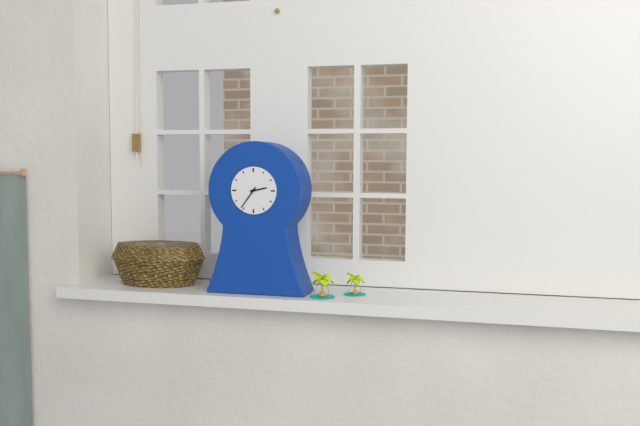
2.36
